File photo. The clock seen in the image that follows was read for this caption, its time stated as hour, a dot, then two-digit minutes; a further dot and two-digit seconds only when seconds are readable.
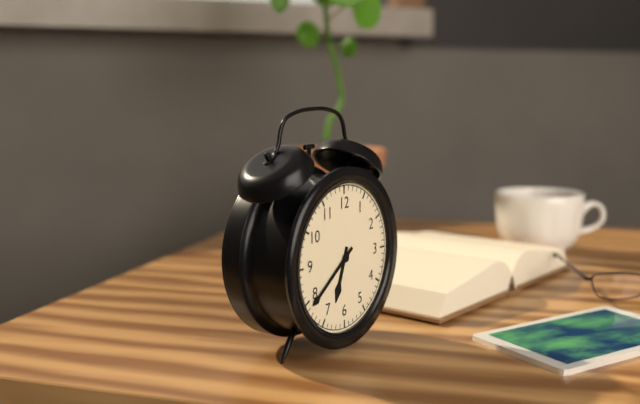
6.39
